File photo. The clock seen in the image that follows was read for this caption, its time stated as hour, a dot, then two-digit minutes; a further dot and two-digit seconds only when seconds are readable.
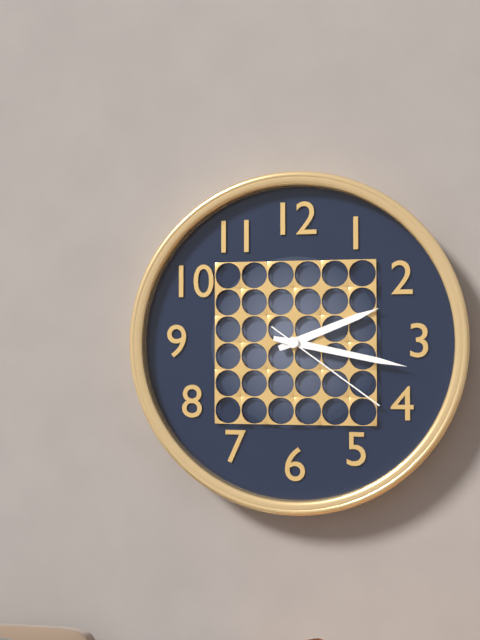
2.17.21
